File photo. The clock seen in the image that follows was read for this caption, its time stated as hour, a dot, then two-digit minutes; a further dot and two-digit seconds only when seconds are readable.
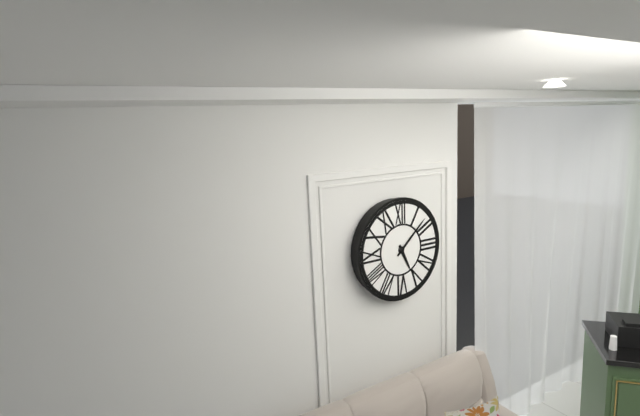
5.08
